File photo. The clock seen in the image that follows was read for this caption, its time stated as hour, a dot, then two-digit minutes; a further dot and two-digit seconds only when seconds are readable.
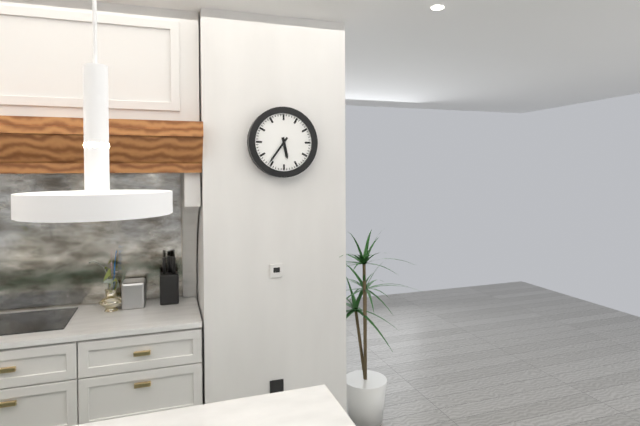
5.36
